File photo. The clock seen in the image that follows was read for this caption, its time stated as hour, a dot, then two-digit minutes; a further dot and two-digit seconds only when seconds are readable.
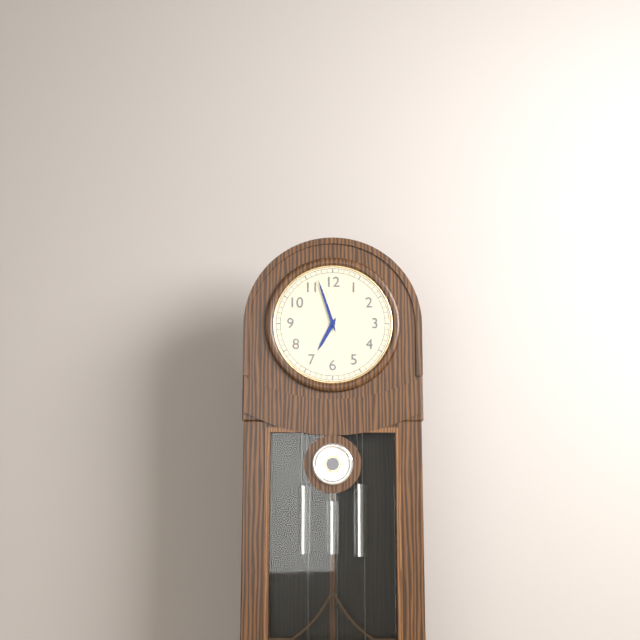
6.57
